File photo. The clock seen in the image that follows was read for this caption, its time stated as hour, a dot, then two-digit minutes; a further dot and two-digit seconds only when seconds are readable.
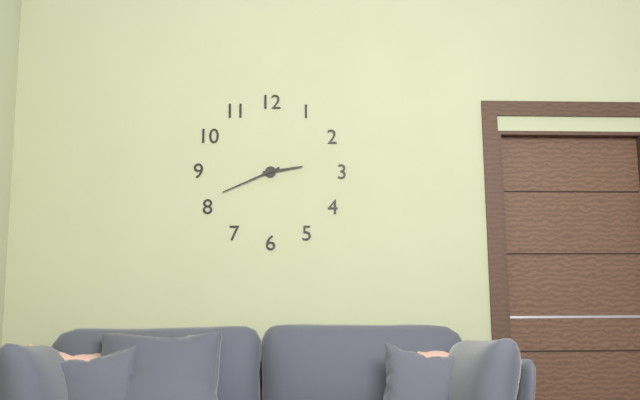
2.41
